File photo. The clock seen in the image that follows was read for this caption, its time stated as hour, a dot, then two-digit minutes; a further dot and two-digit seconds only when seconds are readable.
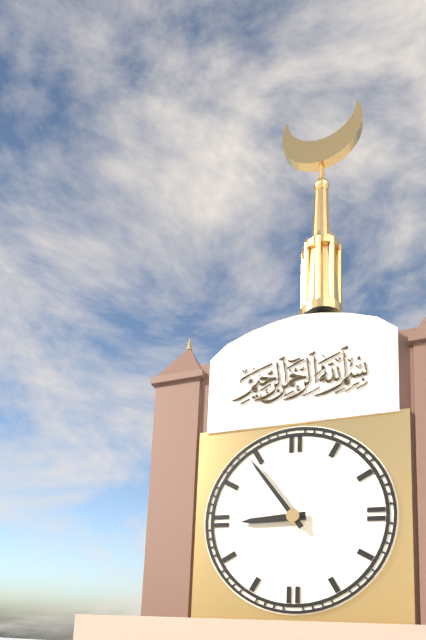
8.54
